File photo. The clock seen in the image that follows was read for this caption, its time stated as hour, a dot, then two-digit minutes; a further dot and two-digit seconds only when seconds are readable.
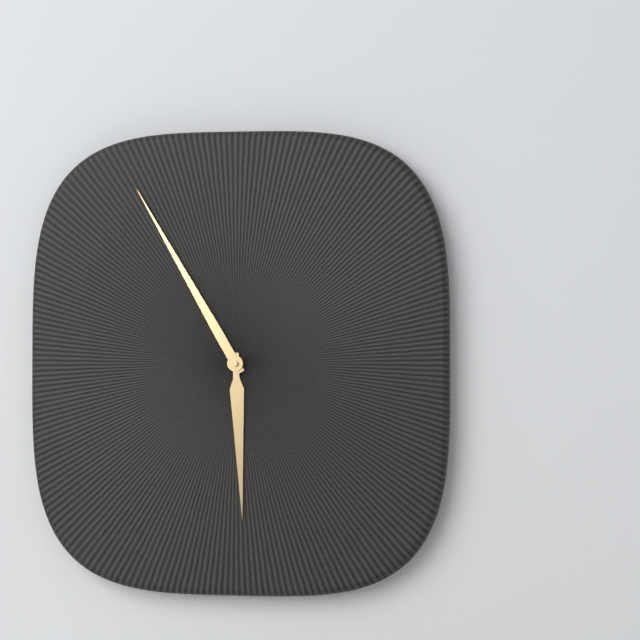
5.55
